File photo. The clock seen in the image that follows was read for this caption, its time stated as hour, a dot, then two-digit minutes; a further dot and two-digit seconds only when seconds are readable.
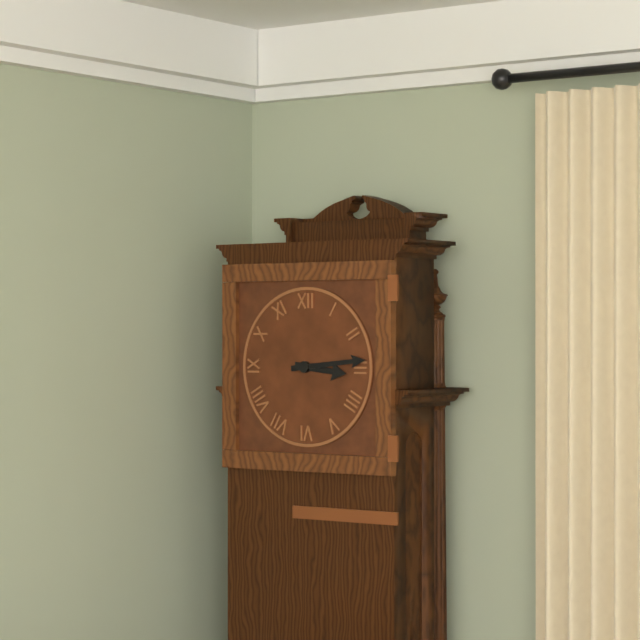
3.14
